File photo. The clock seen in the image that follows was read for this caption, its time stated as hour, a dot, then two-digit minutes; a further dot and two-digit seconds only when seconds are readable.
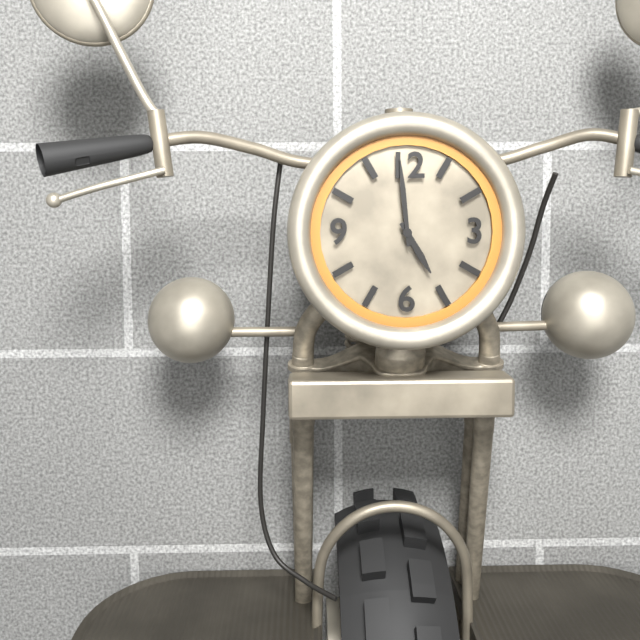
4.59
